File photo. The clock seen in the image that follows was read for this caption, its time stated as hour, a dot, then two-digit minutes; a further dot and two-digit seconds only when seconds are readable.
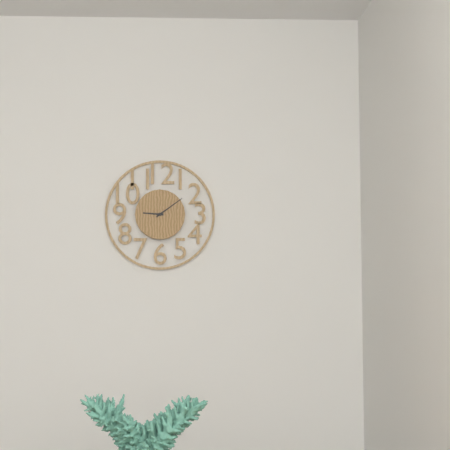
9.09
